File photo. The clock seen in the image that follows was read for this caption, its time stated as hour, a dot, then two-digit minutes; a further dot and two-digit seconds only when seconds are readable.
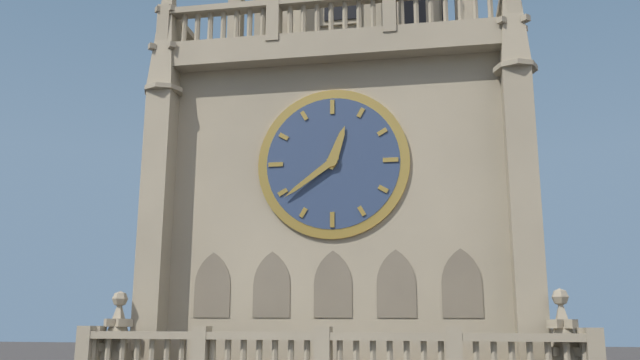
12.39
